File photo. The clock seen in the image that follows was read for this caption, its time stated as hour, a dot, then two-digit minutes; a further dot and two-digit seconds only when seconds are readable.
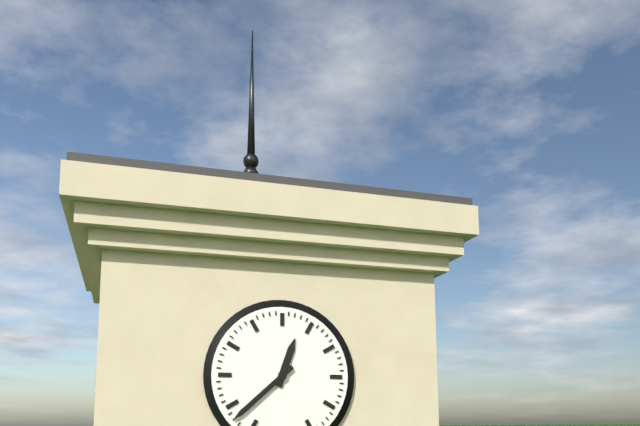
12.38
